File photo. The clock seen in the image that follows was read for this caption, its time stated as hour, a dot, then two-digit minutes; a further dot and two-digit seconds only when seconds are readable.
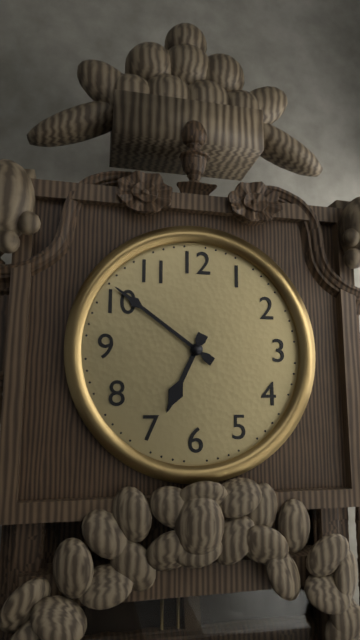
6.51
